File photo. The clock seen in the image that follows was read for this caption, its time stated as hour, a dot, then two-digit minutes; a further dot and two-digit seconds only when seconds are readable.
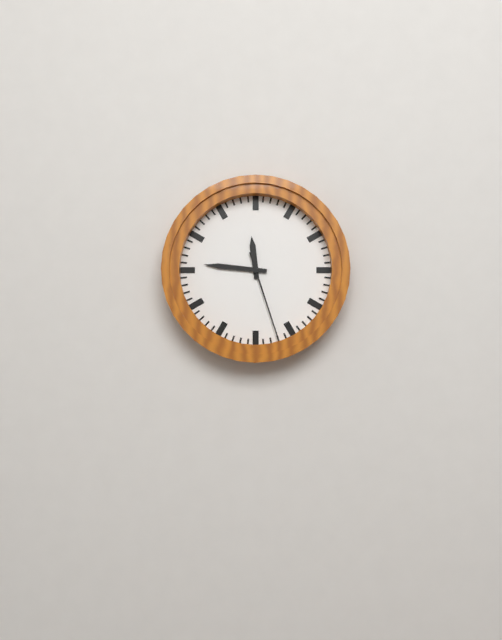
11.46.27
